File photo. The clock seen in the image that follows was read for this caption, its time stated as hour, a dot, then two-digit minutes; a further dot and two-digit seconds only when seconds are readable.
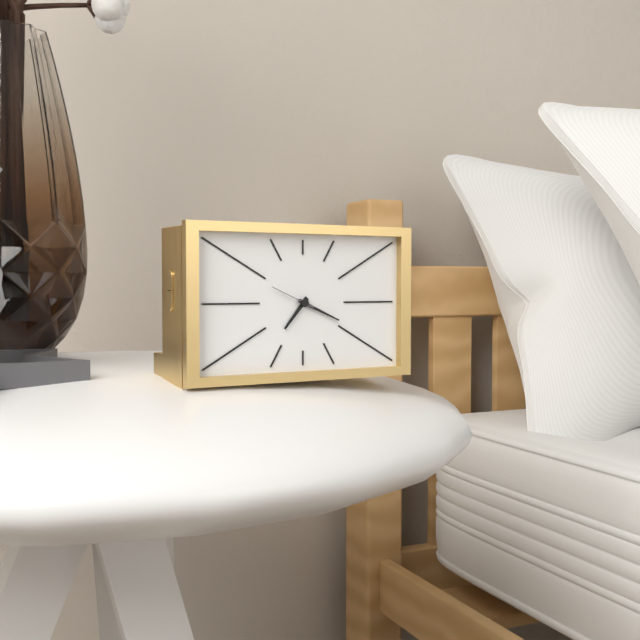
7.19
